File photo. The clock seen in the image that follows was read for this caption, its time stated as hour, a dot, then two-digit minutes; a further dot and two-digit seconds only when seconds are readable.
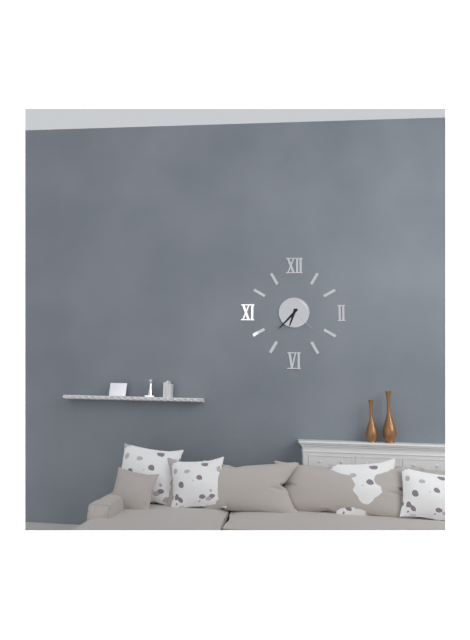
6.37
